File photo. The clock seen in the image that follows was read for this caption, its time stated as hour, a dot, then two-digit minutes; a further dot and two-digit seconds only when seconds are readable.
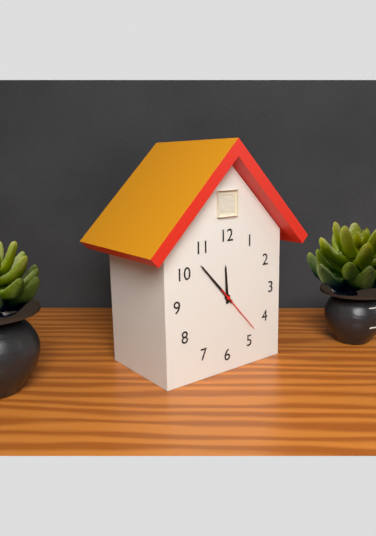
11.53.23
